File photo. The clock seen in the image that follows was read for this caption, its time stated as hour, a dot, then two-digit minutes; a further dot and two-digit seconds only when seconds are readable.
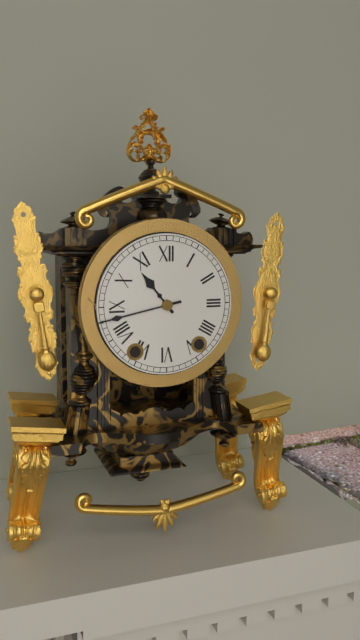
10.43
